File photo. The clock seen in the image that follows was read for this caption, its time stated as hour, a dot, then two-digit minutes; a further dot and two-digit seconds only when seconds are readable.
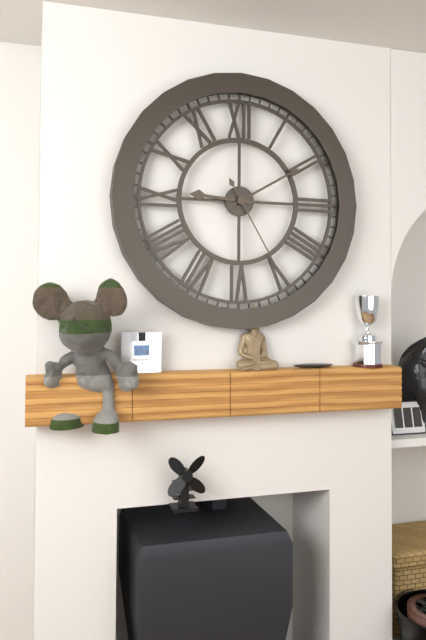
9.10.25
